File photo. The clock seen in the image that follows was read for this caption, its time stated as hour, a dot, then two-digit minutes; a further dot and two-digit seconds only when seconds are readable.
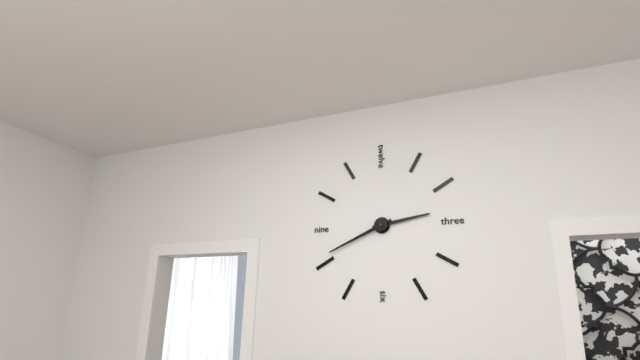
2.41
